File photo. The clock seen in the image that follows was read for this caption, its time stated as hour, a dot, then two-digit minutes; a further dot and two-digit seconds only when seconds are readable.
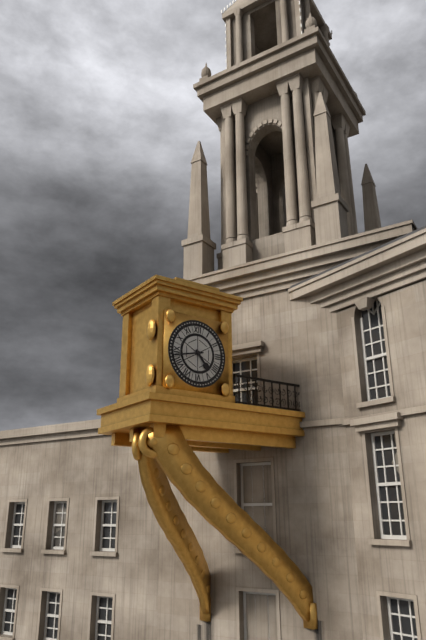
4.43
